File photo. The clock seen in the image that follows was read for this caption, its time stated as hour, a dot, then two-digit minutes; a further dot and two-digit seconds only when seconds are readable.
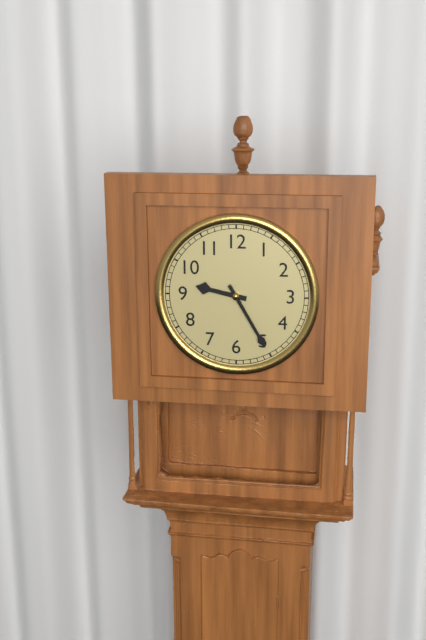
9.25
